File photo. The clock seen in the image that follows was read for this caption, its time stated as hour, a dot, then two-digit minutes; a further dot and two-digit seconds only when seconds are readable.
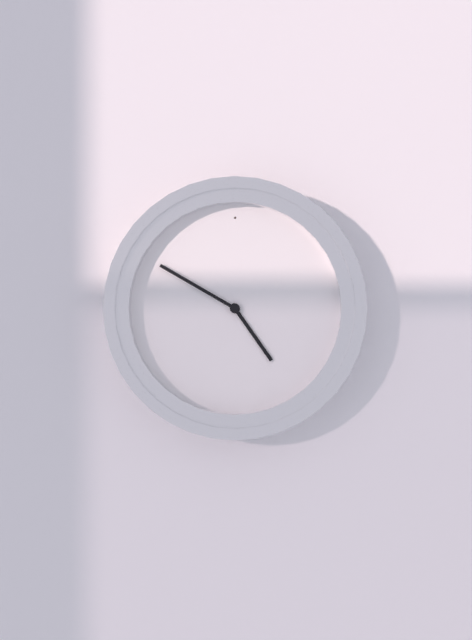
4.50
